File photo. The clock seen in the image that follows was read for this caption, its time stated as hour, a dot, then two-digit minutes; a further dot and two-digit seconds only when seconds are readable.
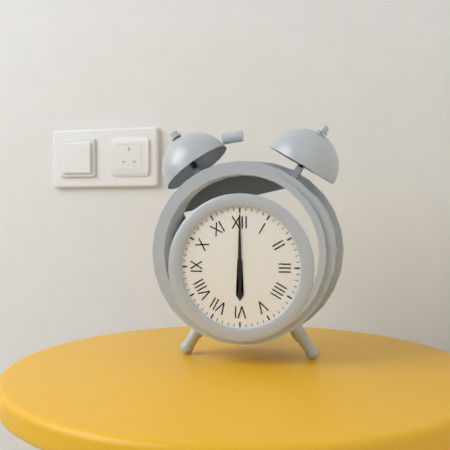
6.00
